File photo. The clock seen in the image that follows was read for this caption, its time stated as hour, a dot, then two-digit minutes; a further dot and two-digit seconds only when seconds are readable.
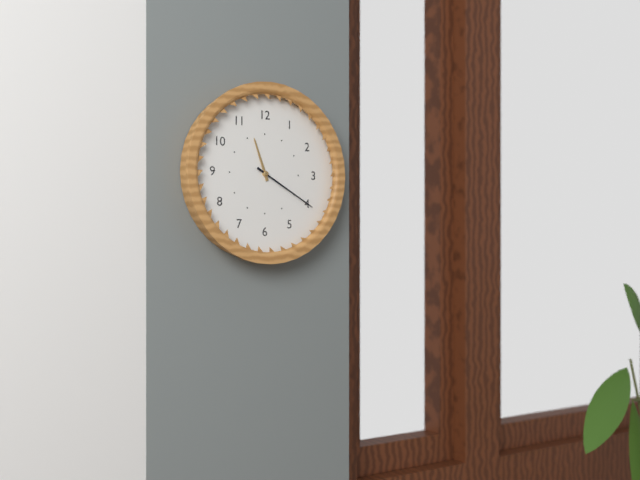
11.20
